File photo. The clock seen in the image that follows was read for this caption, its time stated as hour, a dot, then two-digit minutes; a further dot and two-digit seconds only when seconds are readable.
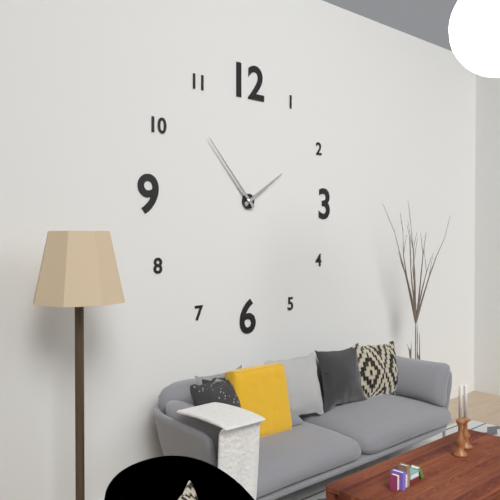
1.53
